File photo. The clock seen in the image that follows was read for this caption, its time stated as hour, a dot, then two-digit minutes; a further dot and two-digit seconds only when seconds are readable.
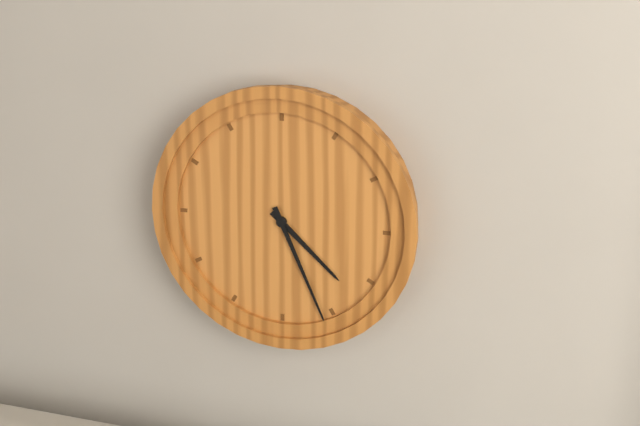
4.26
